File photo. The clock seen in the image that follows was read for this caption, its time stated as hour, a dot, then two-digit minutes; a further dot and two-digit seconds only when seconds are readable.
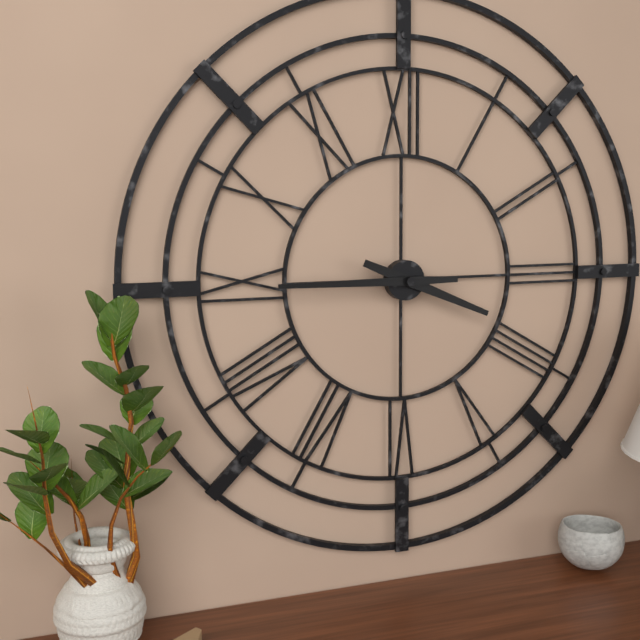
3.45
